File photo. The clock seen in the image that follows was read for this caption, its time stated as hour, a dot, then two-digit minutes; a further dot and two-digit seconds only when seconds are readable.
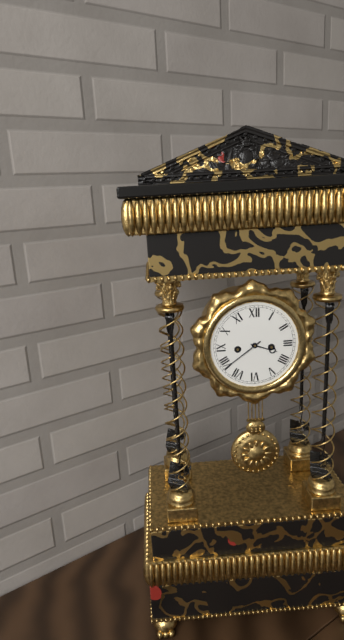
3.39
